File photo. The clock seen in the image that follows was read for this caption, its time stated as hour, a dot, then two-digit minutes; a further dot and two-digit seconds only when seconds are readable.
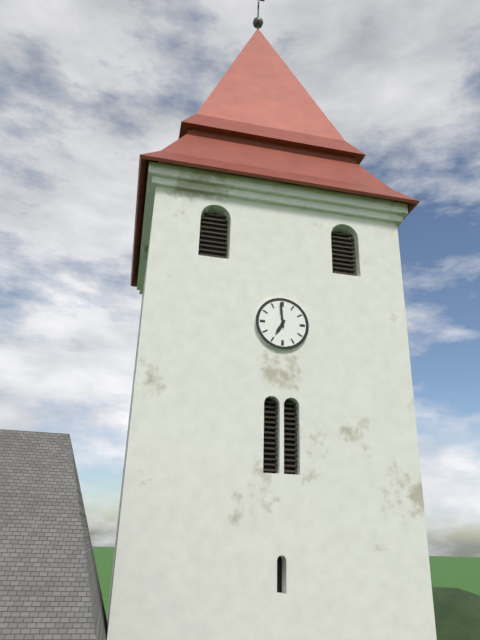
6.59
